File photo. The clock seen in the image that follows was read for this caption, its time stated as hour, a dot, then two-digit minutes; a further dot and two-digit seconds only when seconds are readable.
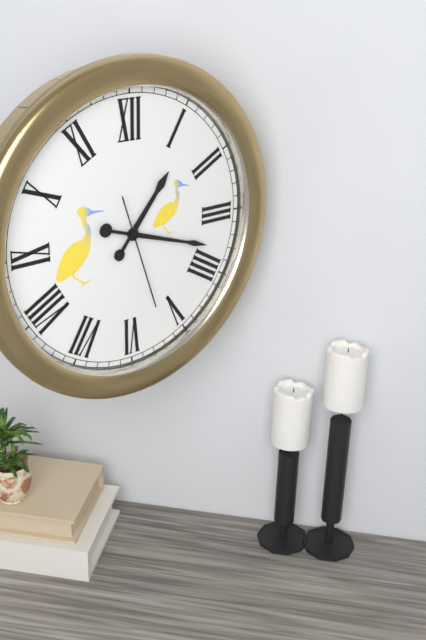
1.18.27
